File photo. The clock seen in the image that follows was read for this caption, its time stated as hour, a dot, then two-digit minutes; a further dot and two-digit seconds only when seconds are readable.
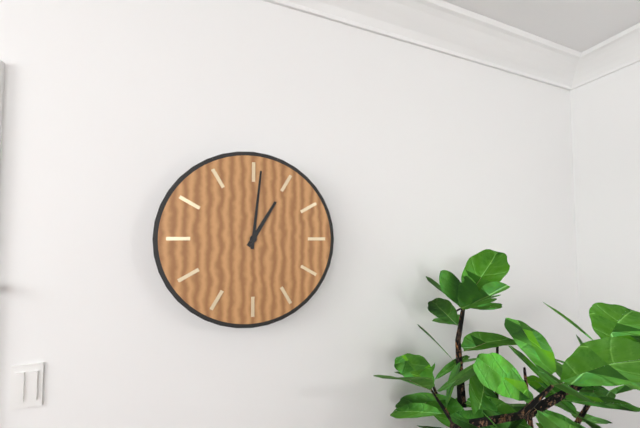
1.01
